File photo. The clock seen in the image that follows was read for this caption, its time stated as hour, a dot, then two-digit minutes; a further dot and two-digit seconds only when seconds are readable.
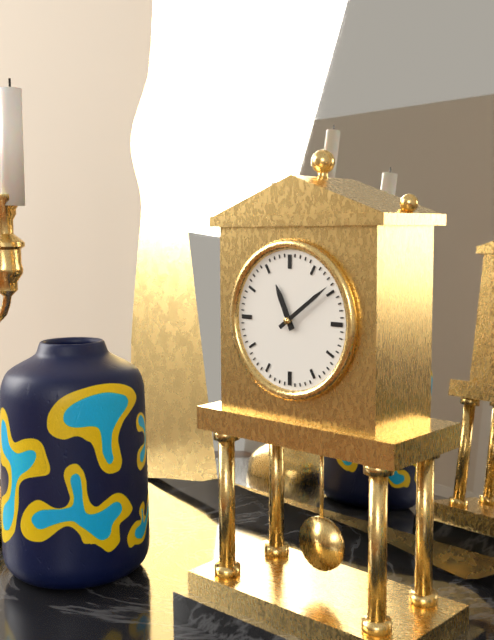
11.09
